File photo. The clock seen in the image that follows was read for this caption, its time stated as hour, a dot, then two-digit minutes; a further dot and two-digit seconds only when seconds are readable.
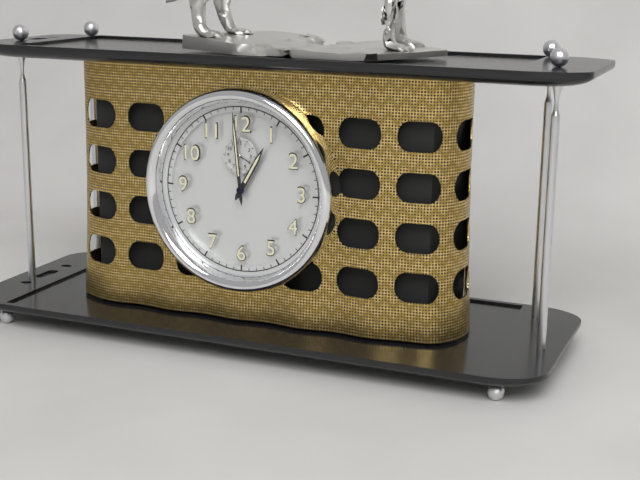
12.59
